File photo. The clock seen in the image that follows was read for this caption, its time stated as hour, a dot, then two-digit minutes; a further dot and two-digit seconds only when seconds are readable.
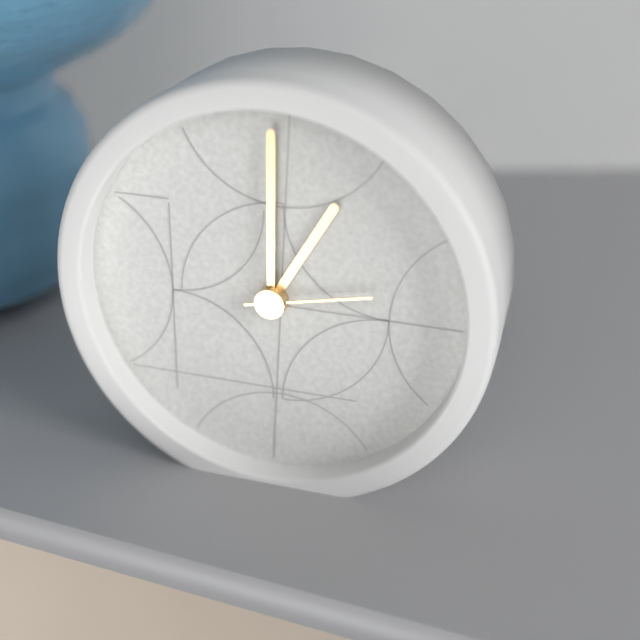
1.00.13
